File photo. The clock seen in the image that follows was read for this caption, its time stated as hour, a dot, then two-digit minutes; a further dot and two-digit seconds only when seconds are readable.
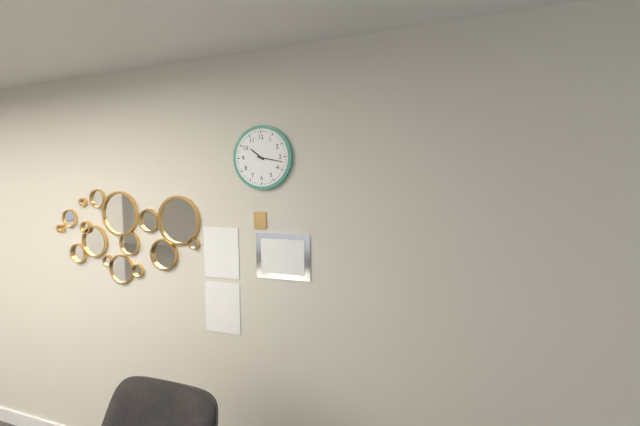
10.17
